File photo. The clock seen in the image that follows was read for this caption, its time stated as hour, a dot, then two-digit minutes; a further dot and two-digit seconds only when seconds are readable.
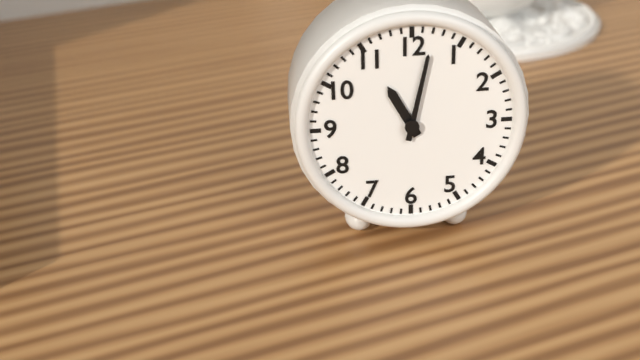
11.02
